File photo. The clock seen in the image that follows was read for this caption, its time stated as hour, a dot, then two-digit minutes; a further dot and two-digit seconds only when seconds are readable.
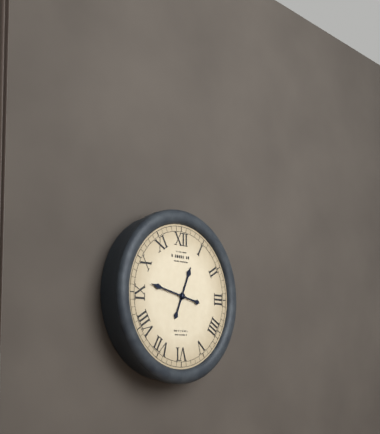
12.47
